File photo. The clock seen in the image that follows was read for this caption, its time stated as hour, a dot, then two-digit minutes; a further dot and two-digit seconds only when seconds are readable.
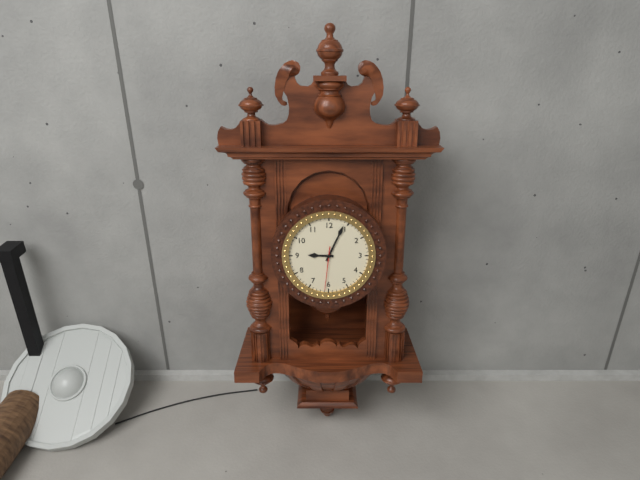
9.04
